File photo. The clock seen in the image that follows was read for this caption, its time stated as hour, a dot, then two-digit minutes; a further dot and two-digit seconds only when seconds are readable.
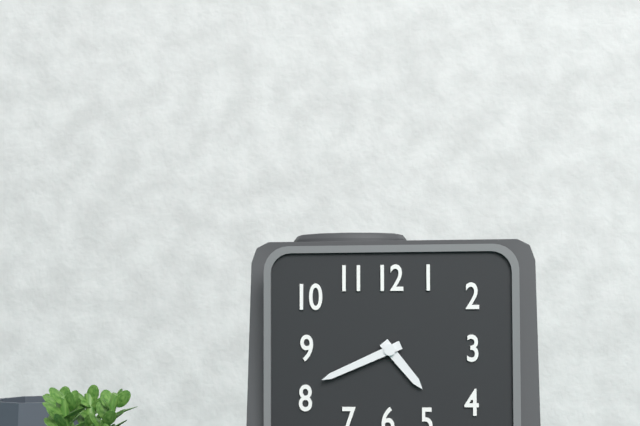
4.41
